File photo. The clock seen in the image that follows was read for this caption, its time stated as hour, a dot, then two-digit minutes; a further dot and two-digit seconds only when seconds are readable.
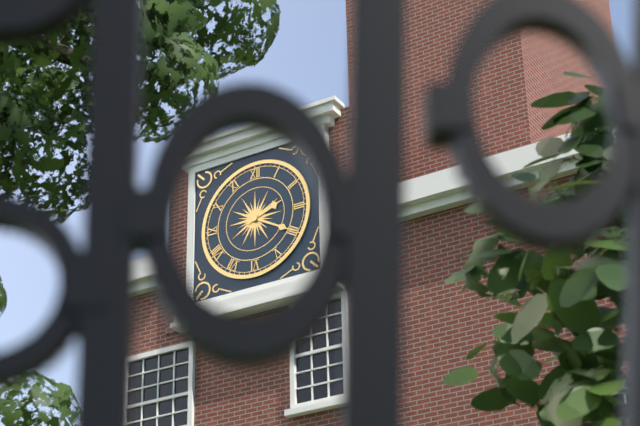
2.20
